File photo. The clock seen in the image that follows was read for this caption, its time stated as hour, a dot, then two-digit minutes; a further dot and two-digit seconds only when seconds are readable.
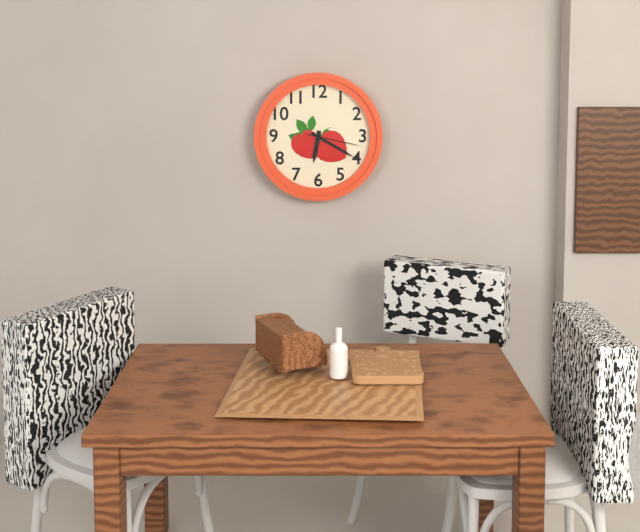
6.20.17
